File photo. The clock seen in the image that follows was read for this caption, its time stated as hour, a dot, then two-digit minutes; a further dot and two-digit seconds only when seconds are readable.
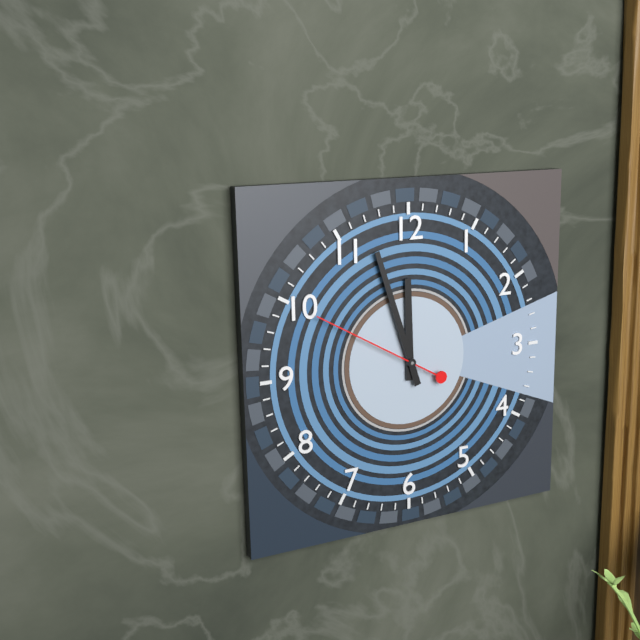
11.57.50
